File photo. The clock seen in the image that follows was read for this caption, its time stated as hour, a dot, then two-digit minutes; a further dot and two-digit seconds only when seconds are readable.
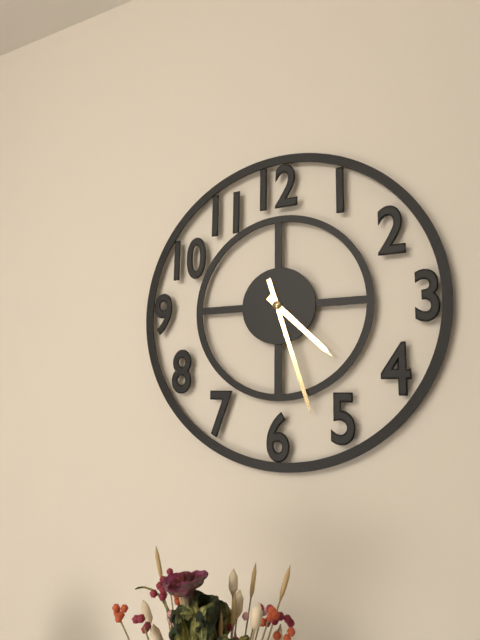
4.27
